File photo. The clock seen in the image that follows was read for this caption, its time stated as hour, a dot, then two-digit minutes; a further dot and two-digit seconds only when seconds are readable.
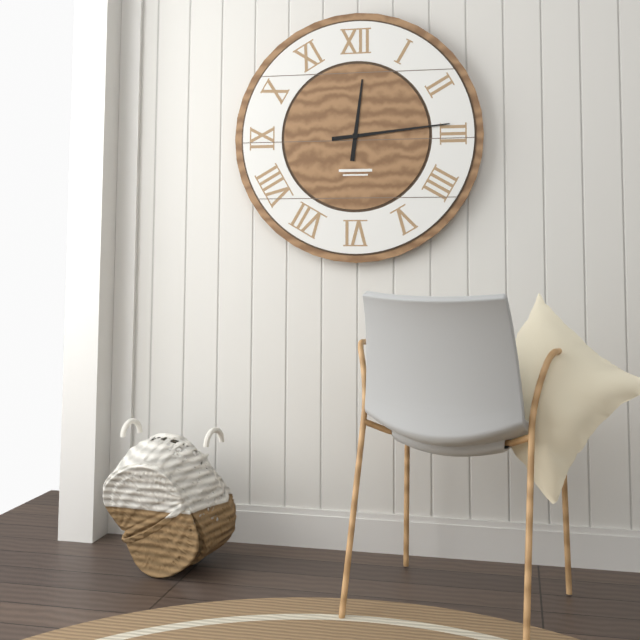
12.14
